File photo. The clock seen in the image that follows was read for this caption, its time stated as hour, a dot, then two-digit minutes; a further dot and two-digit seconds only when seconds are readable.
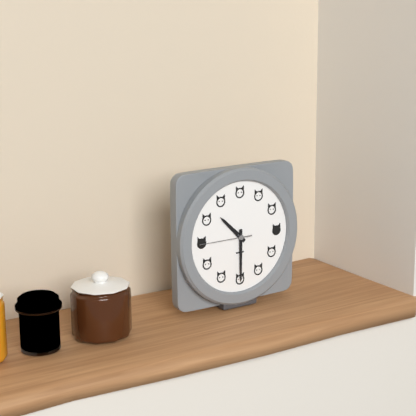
10.30.45
